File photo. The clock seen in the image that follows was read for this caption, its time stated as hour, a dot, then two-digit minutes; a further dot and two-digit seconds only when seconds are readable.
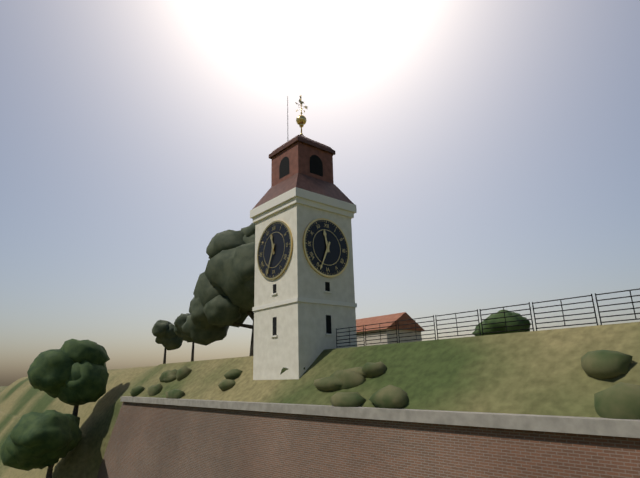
11.34
